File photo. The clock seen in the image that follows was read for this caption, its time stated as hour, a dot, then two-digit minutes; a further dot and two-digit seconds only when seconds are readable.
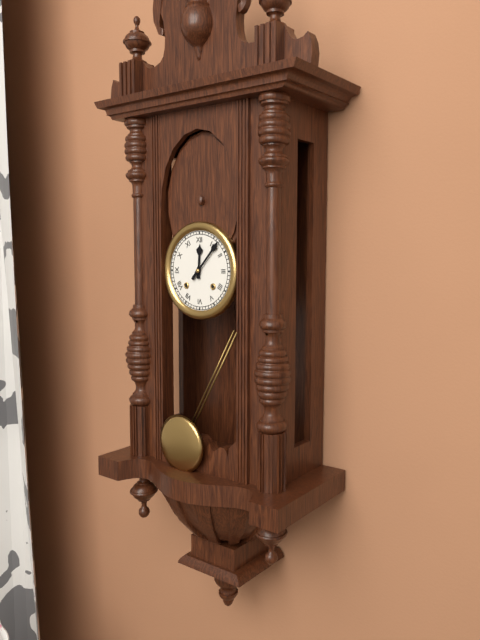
12.07
